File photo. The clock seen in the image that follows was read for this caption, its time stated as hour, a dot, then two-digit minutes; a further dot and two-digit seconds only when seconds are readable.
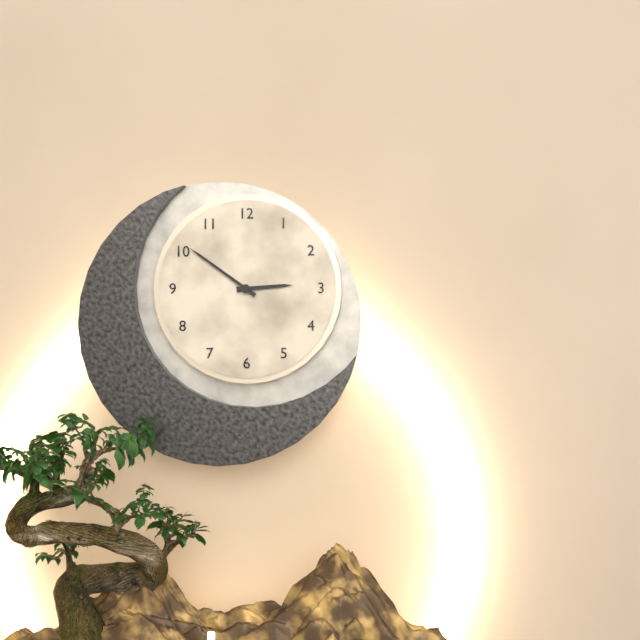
2.51
